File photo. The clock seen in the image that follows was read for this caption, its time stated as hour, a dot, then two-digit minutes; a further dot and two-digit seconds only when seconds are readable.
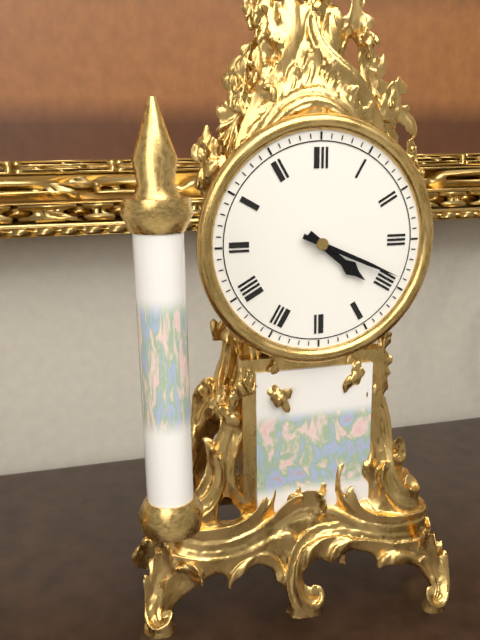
4.19
